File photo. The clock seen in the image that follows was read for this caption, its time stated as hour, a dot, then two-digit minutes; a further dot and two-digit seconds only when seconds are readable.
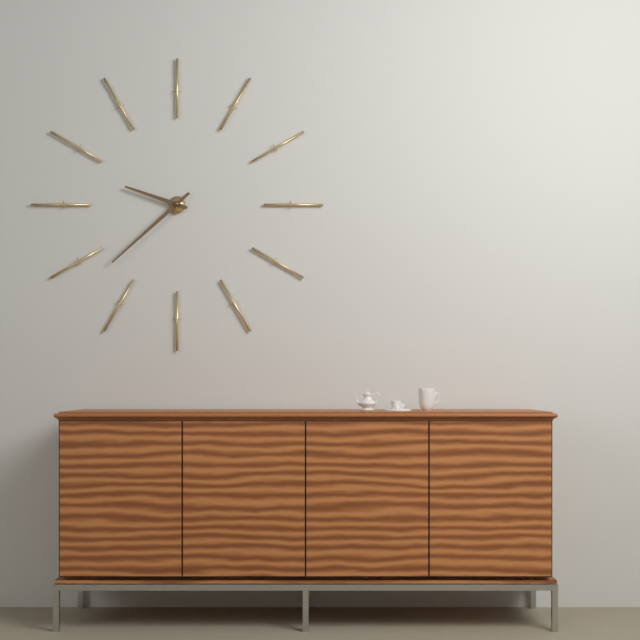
9.38
